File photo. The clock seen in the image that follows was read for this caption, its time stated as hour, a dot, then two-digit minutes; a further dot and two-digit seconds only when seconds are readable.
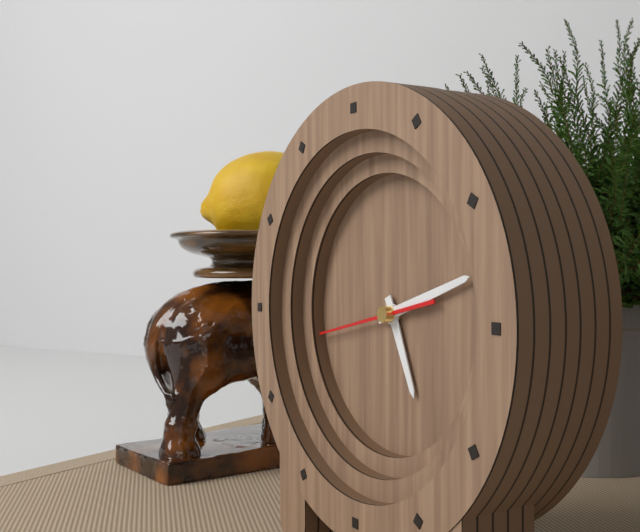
5.12.43
